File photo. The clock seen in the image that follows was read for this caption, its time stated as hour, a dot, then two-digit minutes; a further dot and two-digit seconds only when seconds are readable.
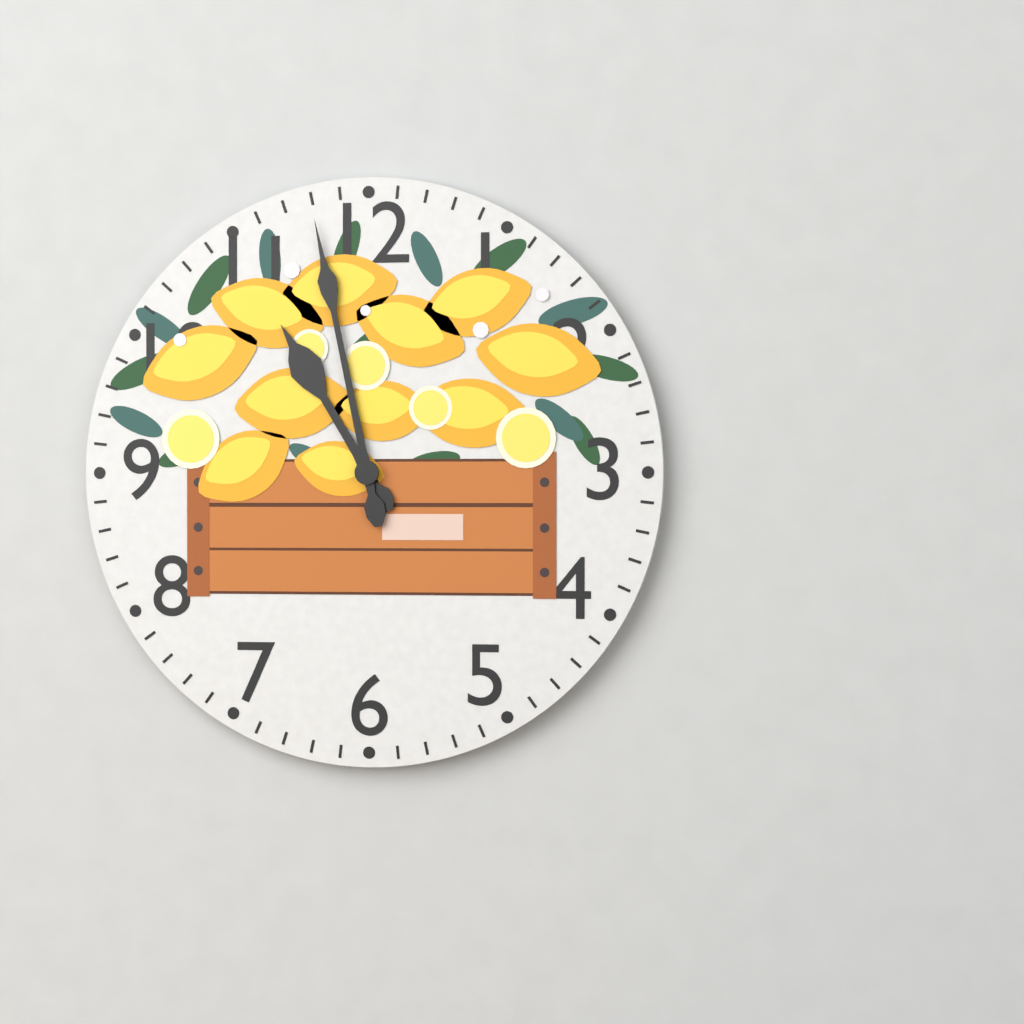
10.58
